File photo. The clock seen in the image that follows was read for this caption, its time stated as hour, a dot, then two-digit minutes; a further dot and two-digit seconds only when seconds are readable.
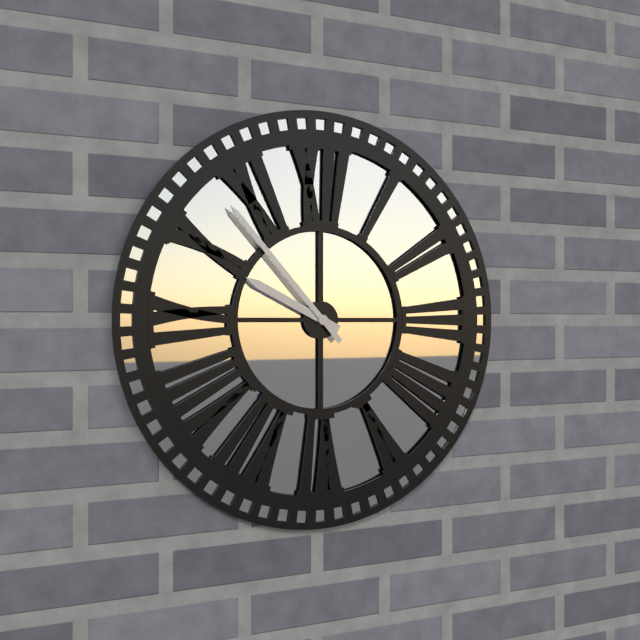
9.53
